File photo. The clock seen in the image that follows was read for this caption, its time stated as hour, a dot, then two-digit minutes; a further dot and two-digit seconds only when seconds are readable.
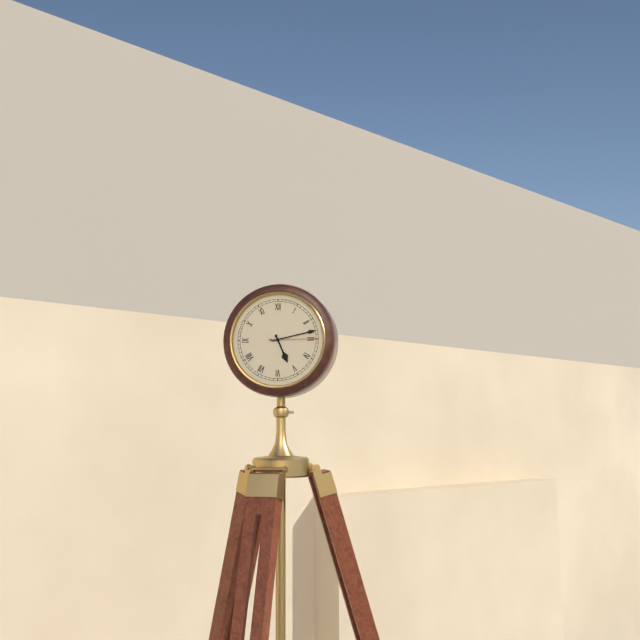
5.13
